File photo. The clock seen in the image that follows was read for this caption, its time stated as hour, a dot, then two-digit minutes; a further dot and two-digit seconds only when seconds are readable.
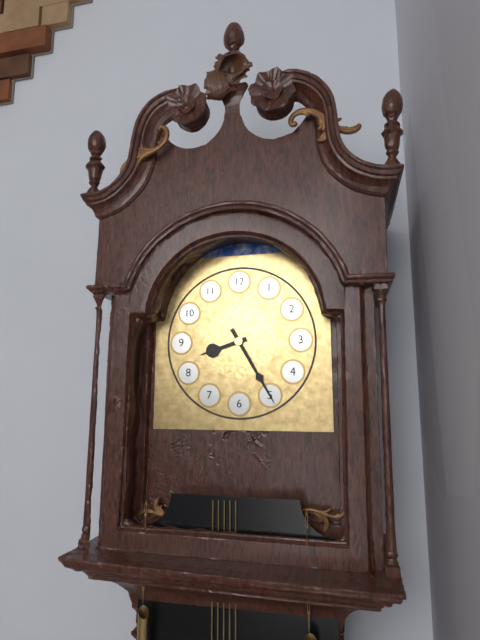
8.25
